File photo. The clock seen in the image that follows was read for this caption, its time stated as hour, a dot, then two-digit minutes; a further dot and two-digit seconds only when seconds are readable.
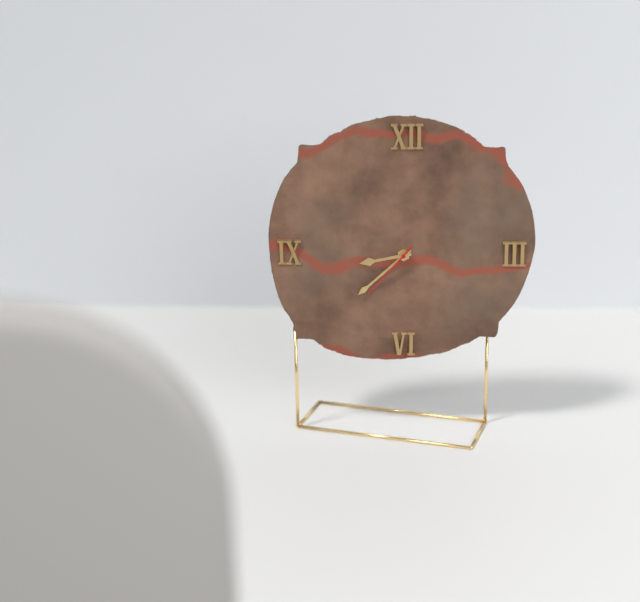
8.38.37
